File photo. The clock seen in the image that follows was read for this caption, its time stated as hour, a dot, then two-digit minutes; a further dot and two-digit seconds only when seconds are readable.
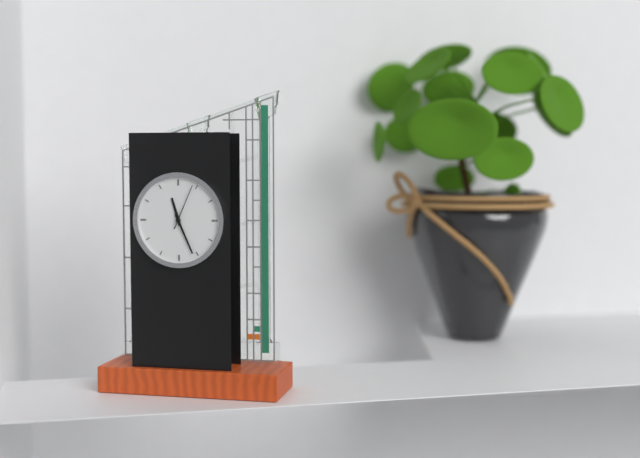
11.26
